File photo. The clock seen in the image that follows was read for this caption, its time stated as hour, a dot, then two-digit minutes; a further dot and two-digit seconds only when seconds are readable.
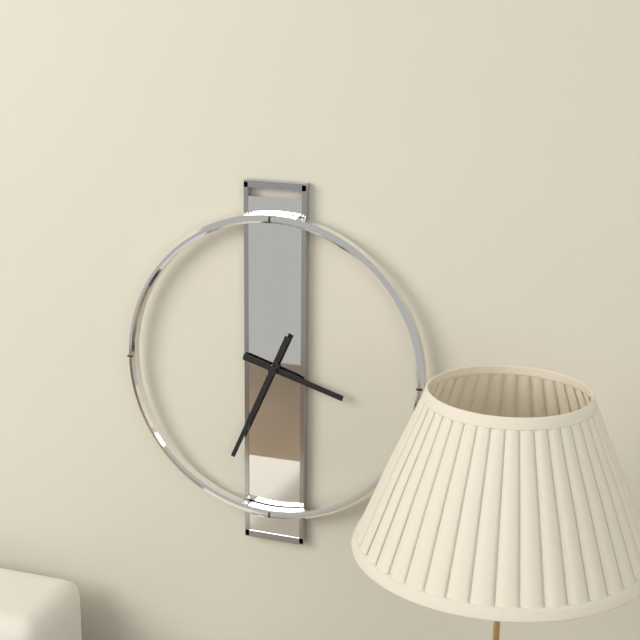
3.34
